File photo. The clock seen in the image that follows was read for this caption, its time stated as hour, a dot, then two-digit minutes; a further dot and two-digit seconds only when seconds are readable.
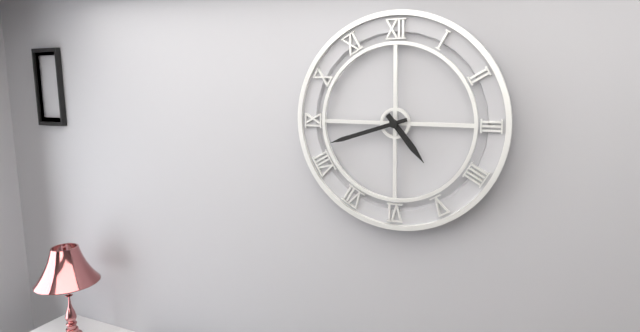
4.42
